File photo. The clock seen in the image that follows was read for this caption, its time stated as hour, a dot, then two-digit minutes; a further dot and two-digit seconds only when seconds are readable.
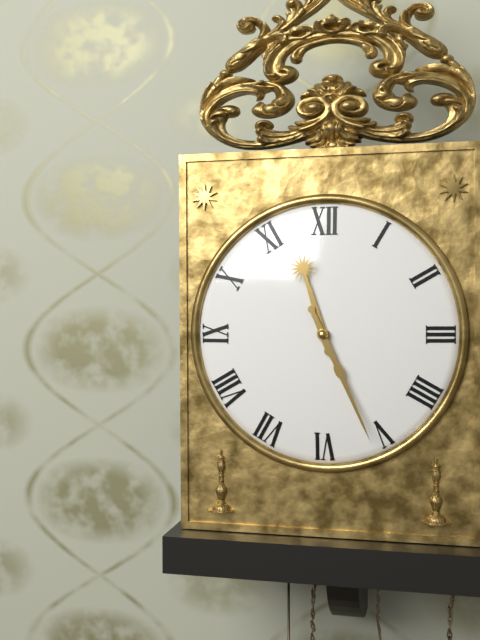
11.26
